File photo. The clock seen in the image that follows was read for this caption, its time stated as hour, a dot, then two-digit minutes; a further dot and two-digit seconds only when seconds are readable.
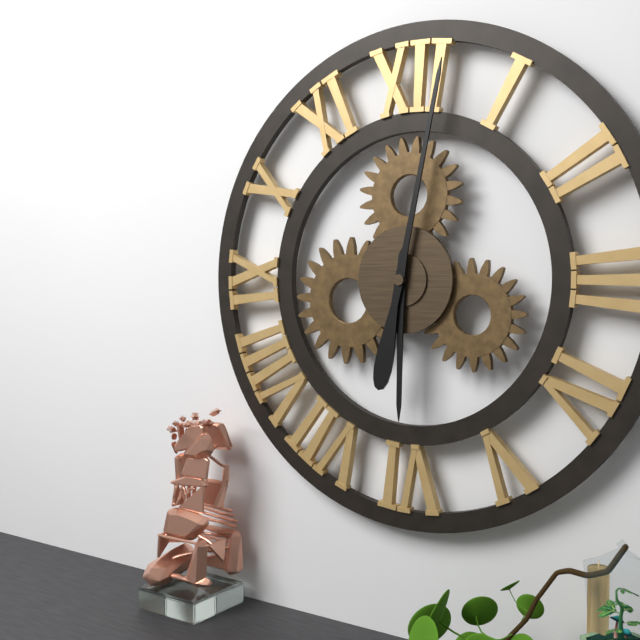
6.02
